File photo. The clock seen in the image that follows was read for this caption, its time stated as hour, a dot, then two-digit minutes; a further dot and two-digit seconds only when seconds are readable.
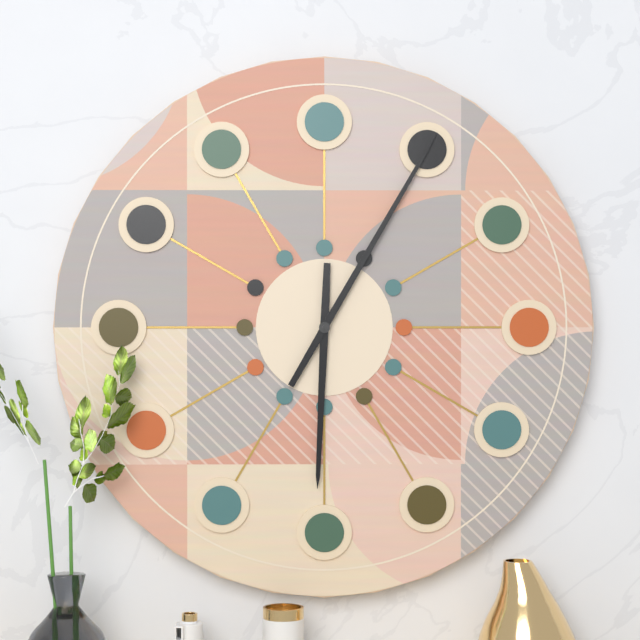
6.05
